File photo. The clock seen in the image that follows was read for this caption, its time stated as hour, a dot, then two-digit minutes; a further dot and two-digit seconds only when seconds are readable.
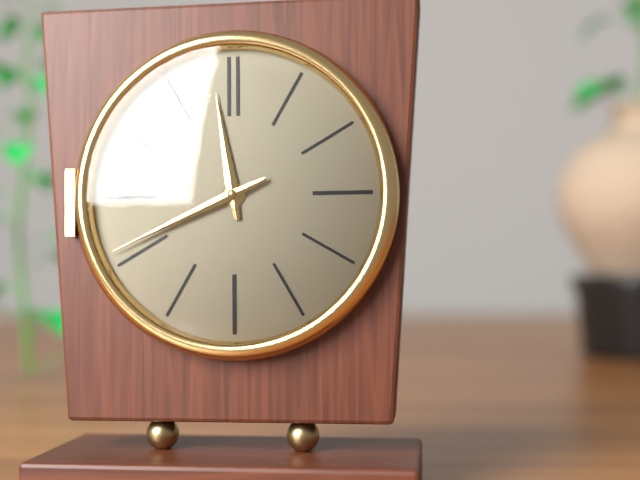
11.41
